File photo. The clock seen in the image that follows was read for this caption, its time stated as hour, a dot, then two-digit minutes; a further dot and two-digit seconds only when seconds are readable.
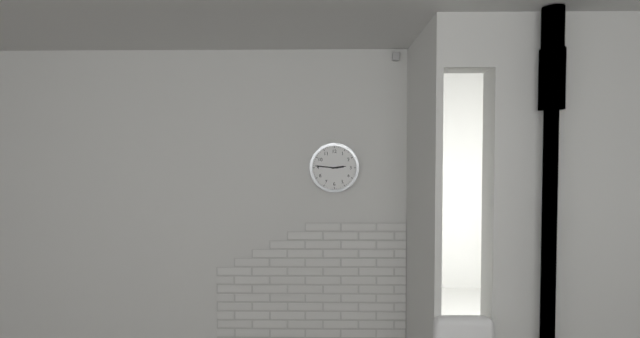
2.46
